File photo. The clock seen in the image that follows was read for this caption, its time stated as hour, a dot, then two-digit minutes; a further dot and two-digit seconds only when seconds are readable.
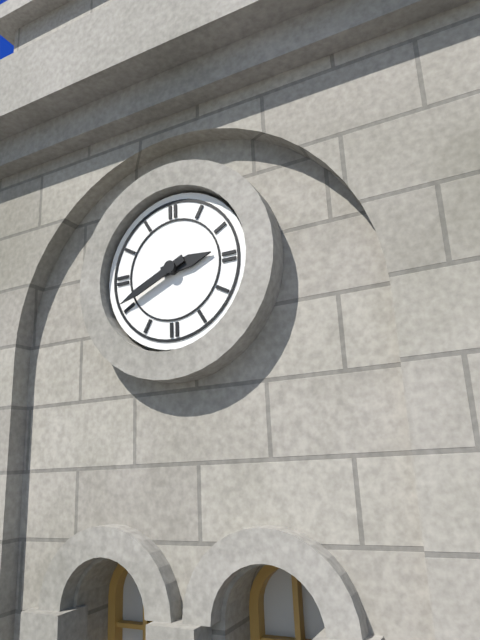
2.41
